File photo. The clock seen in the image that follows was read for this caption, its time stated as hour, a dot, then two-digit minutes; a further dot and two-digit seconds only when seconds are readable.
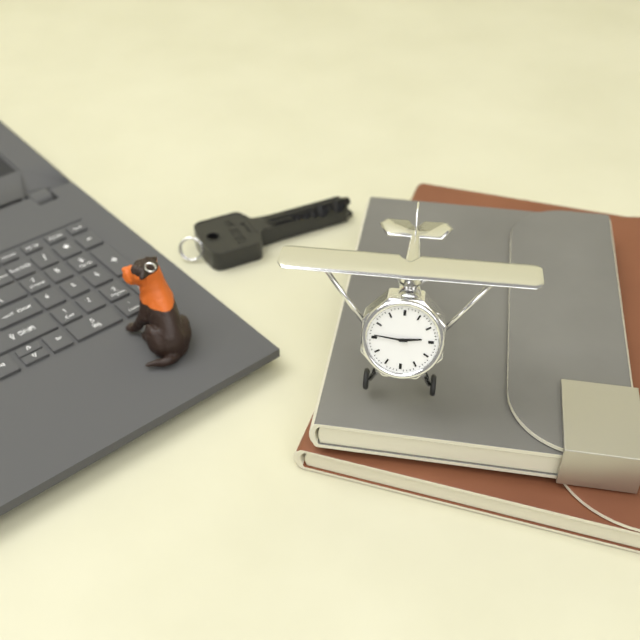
2.46
